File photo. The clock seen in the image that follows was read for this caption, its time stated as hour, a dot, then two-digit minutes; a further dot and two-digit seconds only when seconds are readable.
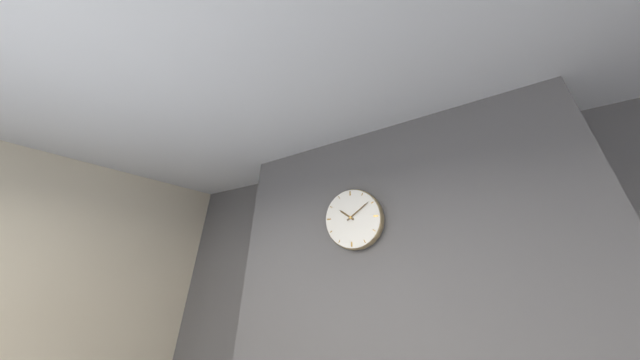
10.09
